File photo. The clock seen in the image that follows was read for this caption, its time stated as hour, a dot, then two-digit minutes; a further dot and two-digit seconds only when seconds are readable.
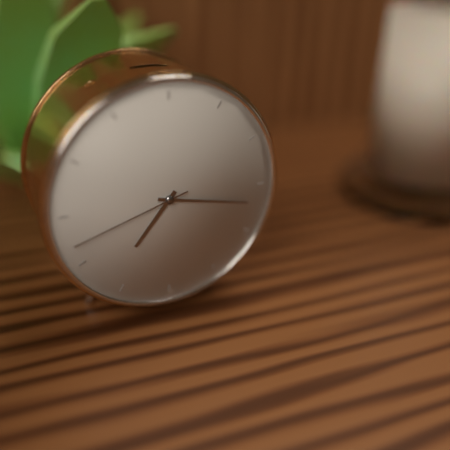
7.17.42
